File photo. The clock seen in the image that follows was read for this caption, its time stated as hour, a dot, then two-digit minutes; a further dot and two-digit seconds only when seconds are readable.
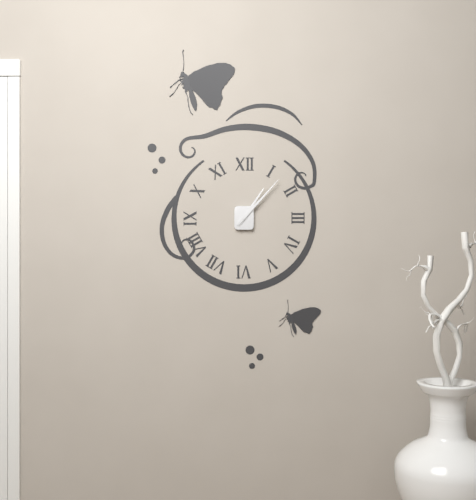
1.07
